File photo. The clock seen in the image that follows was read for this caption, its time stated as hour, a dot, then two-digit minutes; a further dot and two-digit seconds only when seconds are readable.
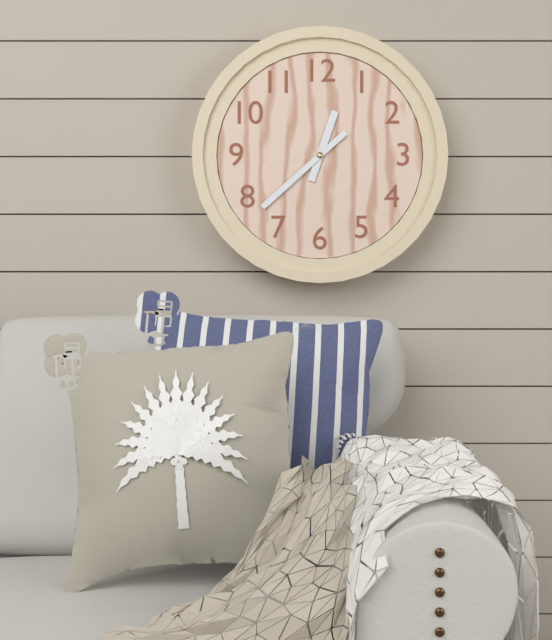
12.38
